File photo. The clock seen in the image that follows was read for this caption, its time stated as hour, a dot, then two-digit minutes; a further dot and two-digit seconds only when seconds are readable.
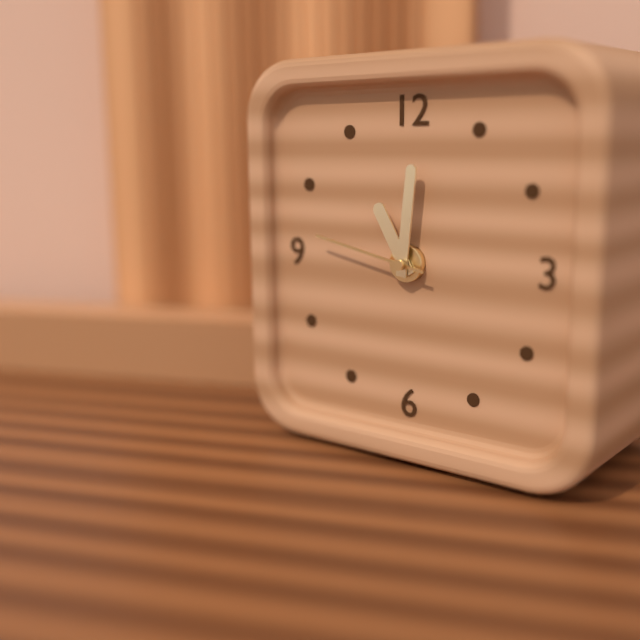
11.01.47
